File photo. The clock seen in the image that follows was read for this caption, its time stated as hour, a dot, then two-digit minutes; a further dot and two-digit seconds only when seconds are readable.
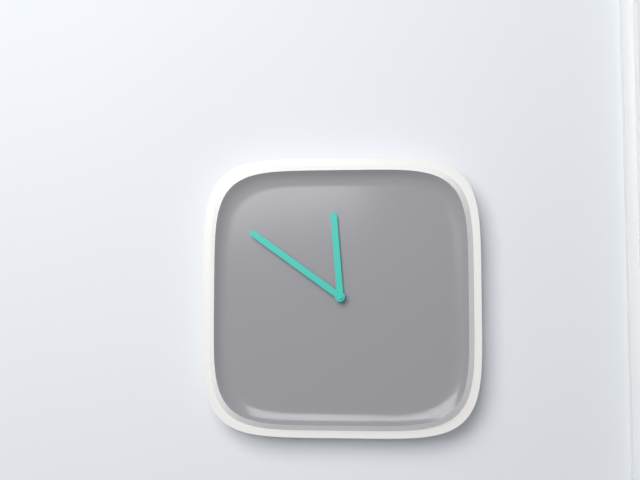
11.51
